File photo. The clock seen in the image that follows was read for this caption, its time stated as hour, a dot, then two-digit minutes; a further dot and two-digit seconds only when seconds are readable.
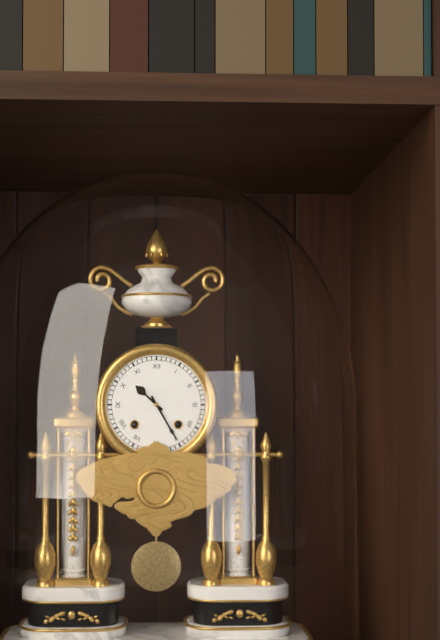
10.25
